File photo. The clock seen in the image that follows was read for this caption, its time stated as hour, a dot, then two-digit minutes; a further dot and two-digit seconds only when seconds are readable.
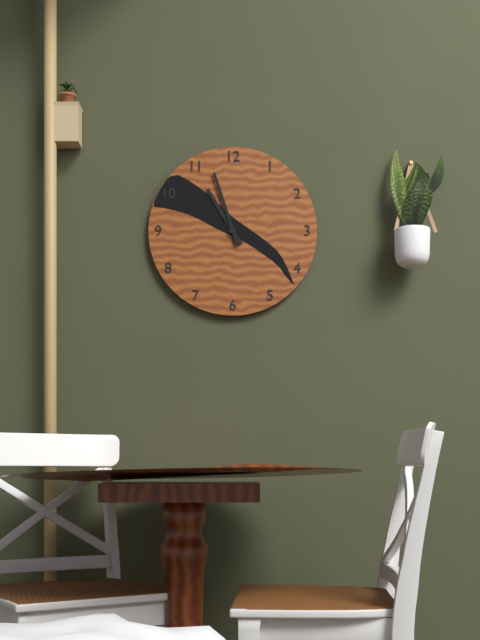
10.57
